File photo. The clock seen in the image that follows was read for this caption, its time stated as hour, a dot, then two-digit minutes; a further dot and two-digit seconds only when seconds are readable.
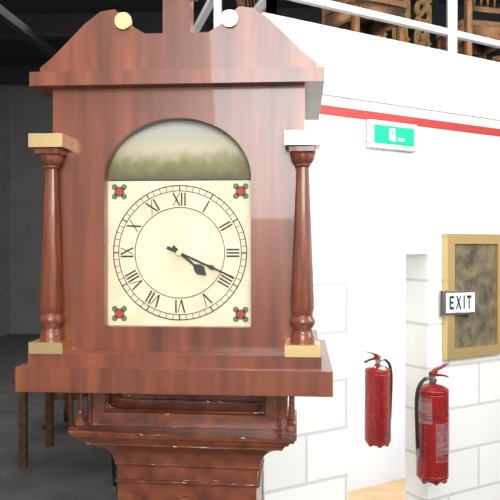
4.19
